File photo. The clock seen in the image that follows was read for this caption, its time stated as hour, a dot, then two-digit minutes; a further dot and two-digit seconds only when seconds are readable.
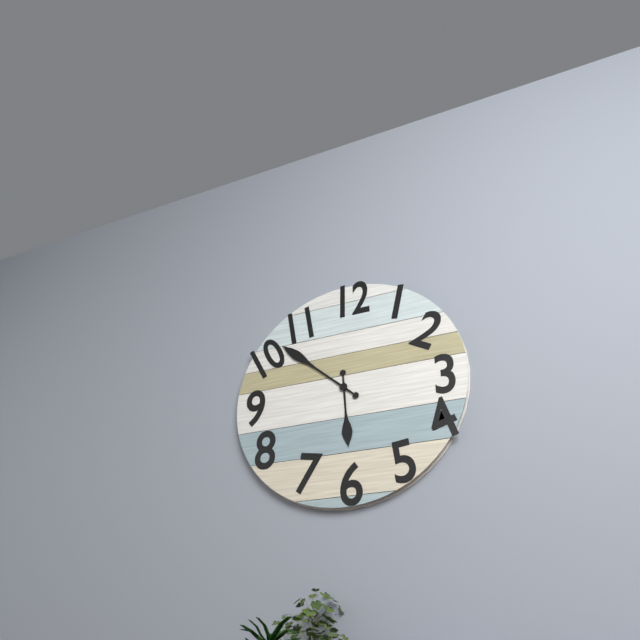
5.52
